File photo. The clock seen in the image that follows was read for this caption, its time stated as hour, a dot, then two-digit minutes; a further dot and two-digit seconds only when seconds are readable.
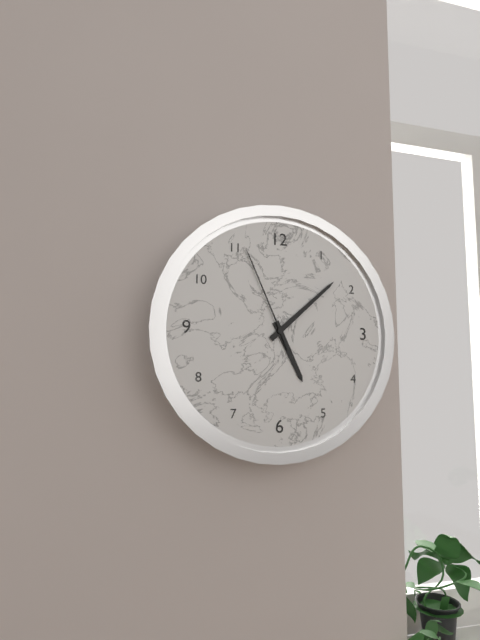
5.08.56
